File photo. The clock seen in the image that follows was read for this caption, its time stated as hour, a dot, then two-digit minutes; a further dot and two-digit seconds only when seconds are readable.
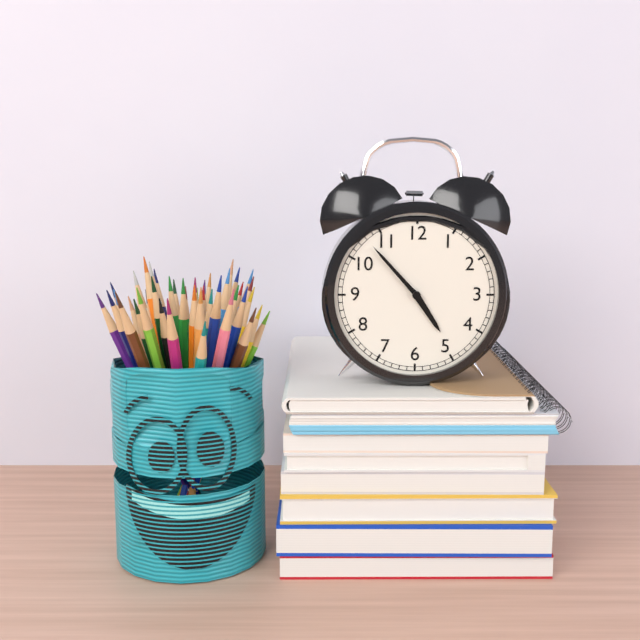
4.53
